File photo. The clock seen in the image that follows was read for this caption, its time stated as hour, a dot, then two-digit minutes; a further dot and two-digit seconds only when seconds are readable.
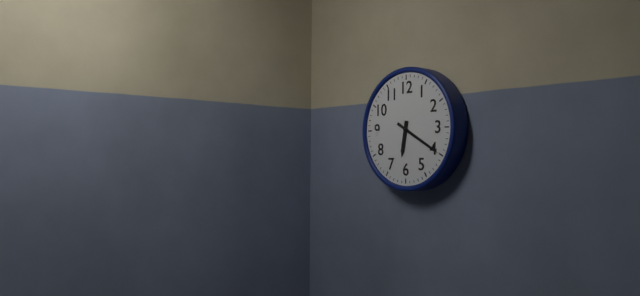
6.20
